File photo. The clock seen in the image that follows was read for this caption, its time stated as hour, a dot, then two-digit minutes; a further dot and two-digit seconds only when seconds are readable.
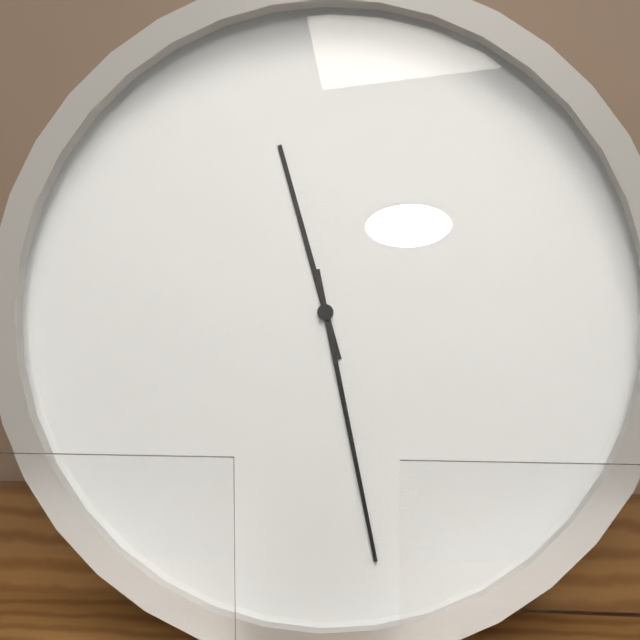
11.28
